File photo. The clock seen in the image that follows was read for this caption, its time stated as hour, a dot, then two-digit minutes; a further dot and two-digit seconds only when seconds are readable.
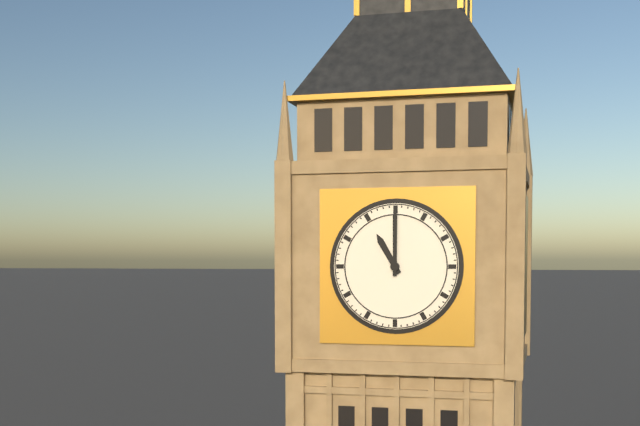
11.00
